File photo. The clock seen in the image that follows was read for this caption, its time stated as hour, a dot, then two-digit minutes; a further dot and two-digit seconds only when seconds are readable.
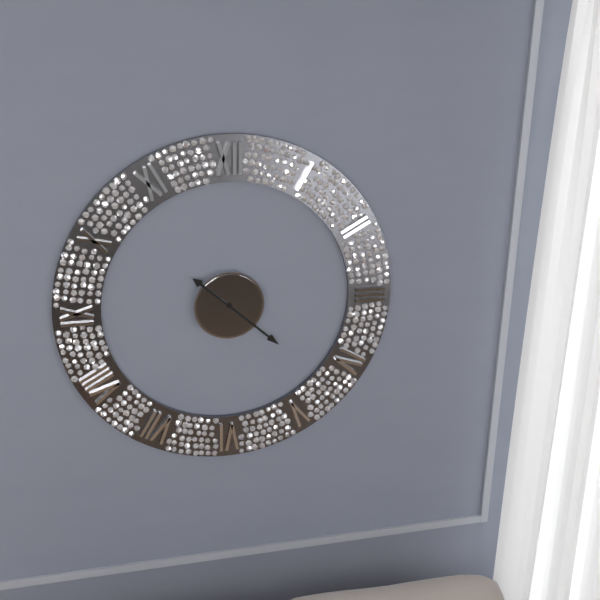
10.22
